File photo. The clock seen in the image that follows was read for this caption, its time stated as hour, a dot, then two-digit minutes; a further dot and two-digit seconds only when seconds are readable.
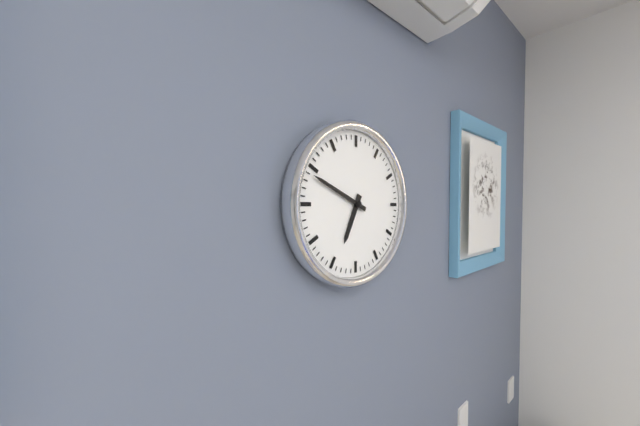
6.49
